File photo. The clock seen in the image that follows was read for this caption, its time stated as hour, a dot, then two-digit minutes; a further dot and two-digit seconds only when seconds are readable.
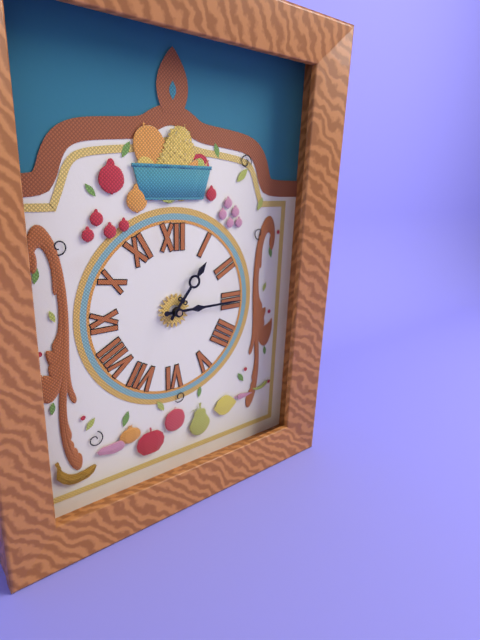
1.15
